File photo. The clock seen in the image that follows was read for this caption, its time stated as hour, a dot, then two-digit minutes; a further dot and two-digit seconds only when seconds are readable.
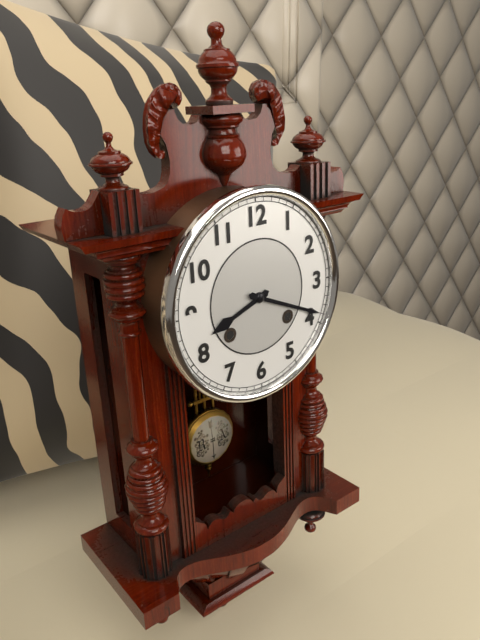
8.19
